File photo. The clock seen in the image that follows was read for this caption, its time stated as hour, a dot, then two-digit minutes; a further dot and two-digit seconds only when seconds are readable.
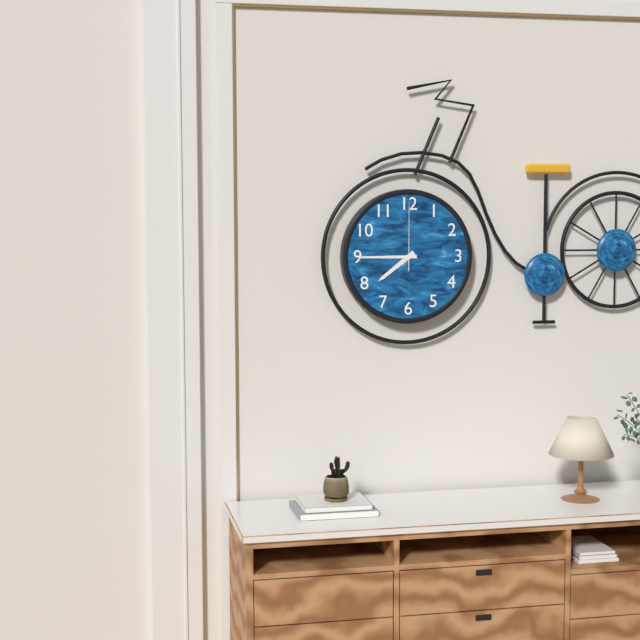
7.45.00
